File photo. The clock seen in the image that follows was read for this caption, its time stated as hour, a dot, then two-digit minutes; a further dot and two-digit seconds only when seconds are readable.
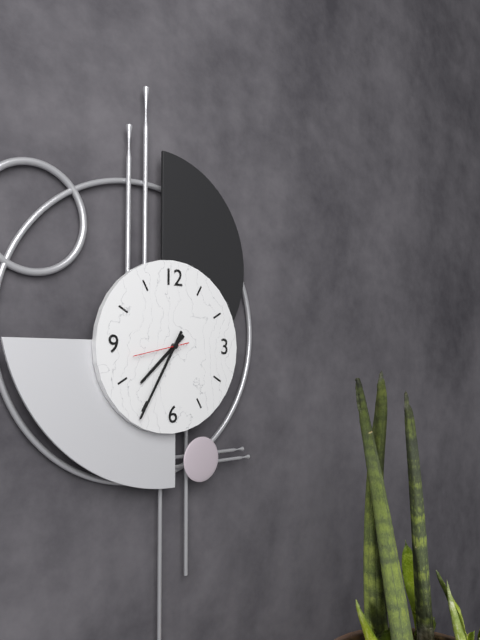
7.35.43
